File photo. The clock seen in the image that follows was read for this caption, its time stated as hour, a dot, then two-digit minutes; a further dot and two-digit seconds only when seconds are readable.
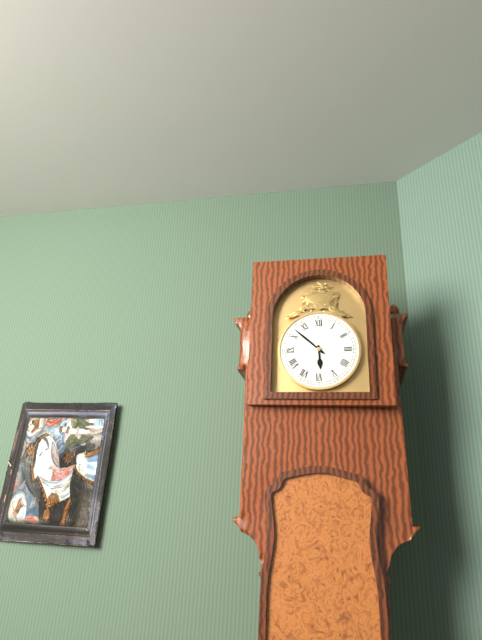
5.52
